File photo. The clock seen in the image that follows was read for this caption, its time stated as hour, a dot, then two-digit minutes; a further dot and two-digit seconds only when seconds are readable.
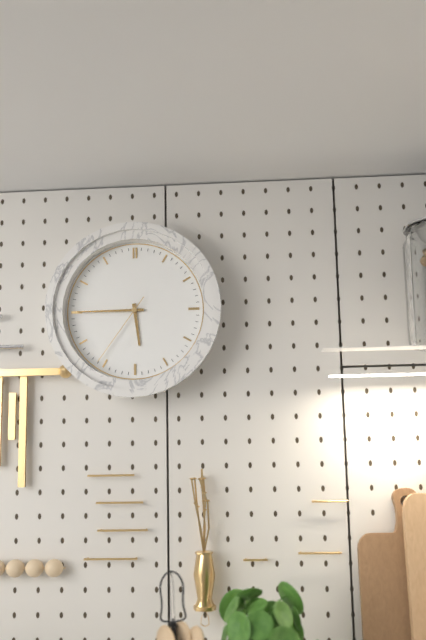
5.45.36
